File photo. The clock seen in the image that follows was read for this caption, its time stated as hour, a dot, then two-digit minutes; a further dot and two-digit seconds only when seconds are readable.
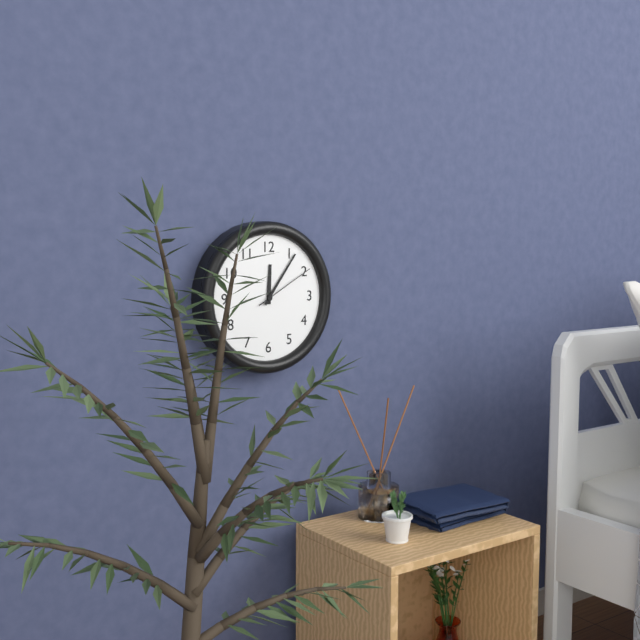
12.06.10
